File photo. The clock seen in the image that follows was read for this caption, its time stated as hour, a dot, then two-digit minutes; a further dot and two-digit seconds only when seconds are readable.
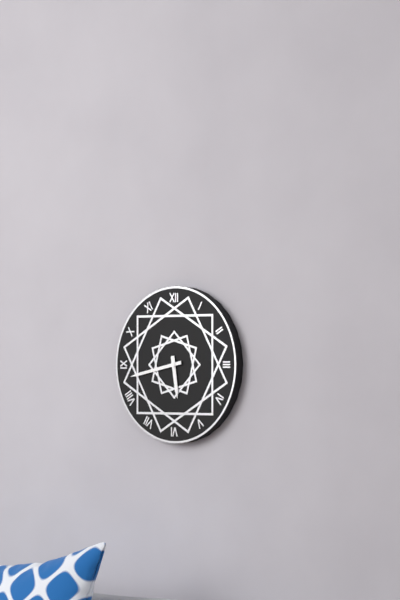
5.43
